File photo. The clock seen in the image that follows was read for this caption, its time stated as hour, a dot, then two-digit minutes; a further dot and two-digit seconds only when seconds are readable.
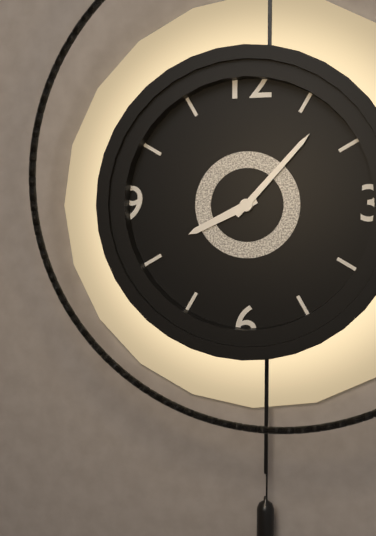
8.07
